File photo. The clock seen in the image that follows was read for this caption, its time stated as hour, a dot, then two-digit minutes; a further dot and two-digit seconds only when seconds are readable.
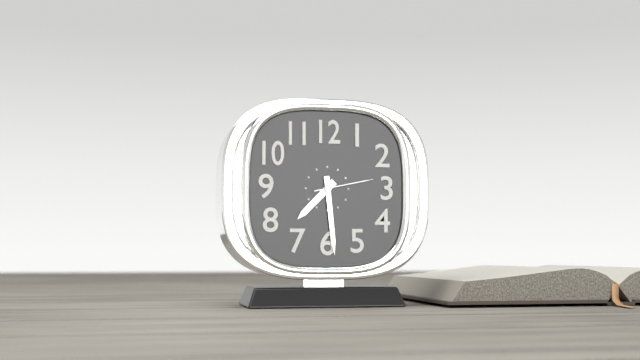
7.29.13
